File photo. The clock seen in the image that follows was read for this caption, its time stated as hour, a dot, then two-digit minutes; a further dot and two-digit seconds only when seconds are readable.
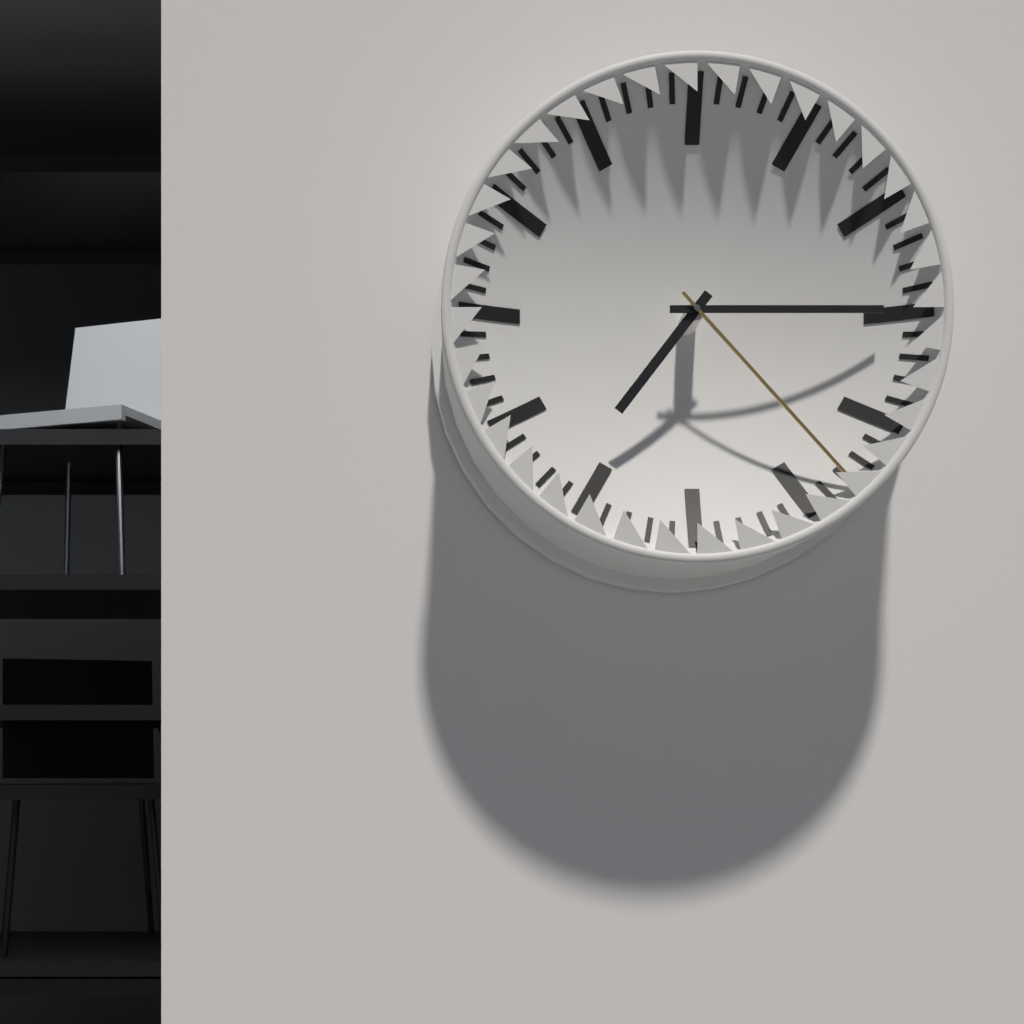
7.15.23
